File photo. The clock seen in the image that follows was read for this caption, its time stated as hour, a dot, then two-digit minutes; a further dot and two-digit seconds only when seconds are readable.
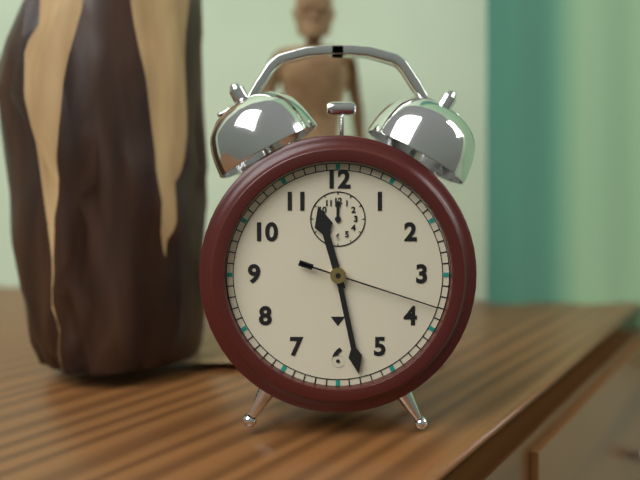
11.28.18
